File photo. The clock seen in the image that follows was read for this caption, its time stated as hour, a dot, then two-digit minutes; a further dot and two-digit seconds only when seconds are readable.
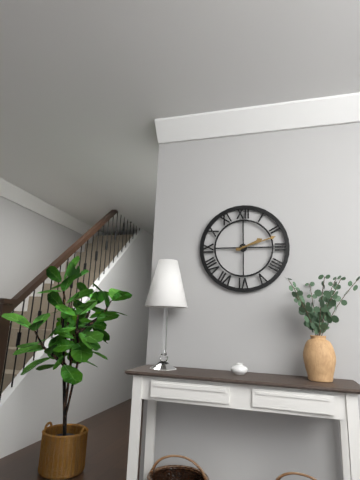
2.12
